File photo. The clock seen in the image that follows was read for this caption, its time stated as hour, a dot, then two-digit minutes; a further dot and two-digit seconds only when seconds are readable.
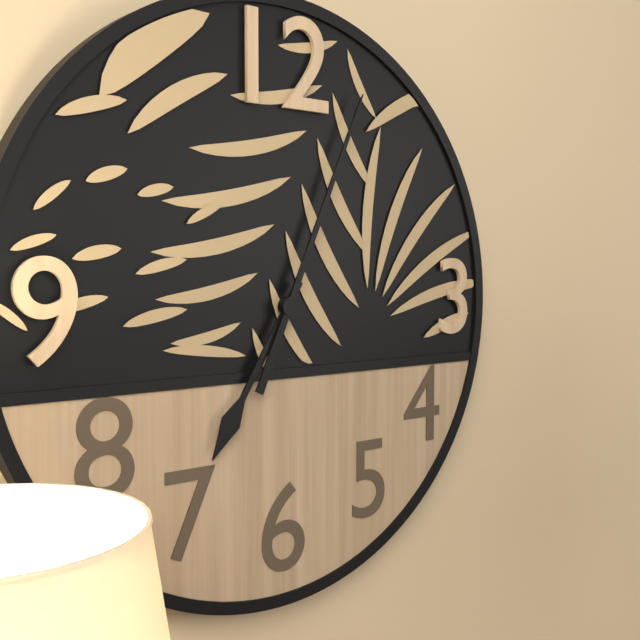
7.04
